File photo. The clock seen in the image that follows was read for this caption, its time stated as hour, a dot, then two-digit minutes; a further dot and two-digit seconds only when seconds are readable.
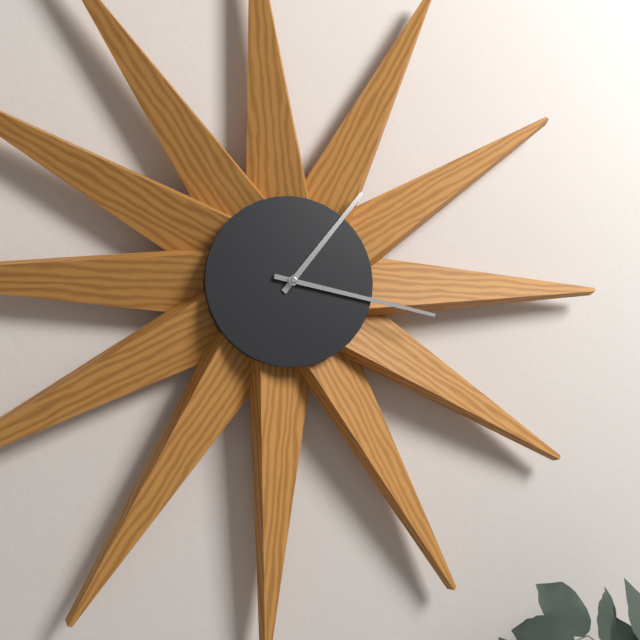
1.17
